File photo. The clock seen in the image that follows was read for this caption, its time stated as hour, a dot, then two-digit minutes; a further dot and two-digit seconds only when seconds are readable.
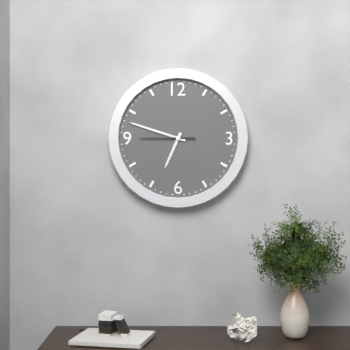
6.48
